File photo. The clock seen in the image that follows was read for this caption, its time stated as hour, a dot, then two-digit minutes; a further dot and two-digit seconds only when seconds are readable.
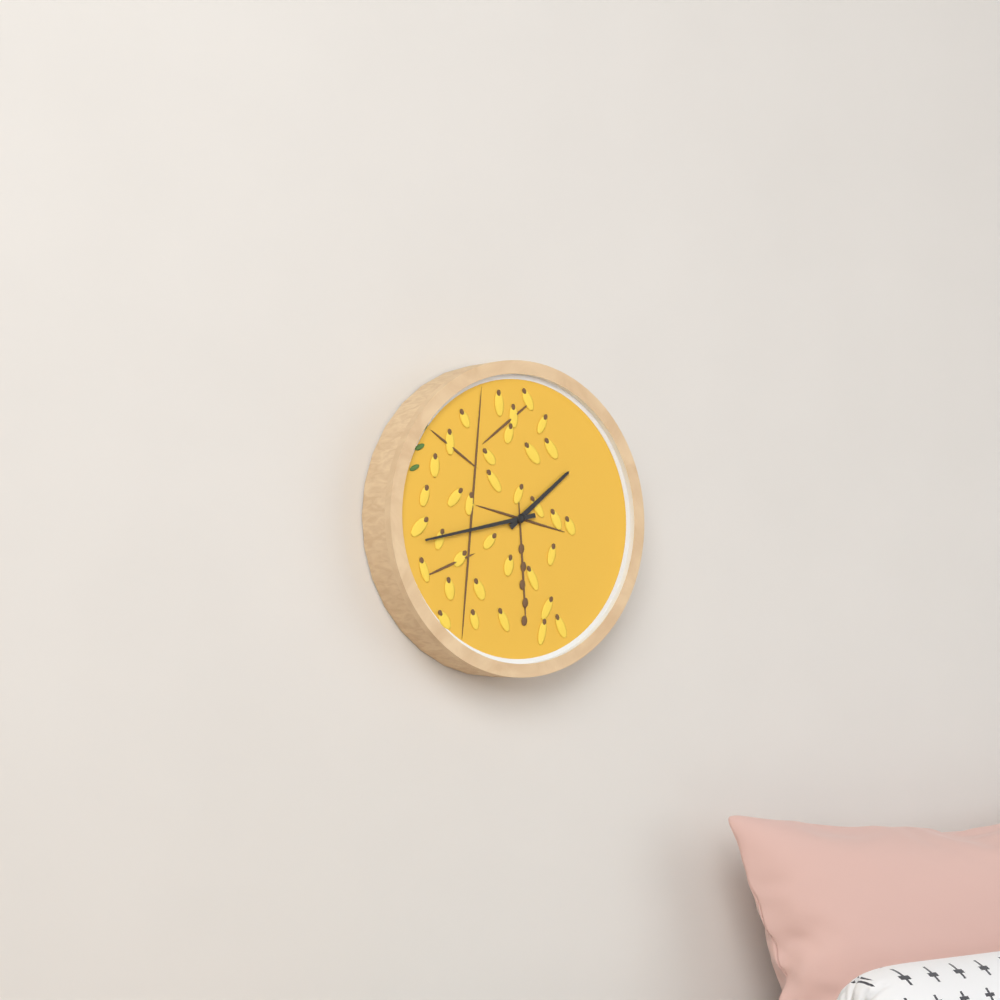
1.43
